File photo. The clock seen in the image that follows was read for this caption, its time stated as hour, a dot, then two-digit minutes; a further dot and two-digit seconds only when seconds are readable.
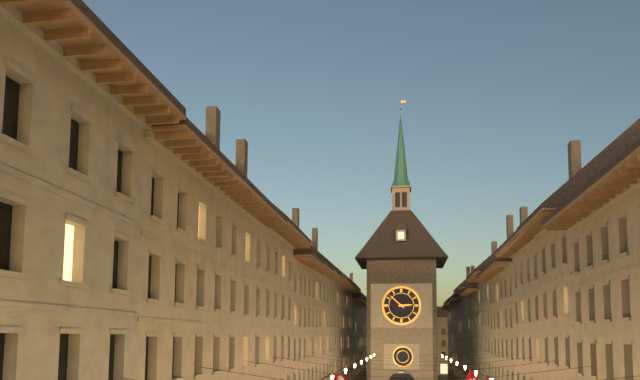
2.52
